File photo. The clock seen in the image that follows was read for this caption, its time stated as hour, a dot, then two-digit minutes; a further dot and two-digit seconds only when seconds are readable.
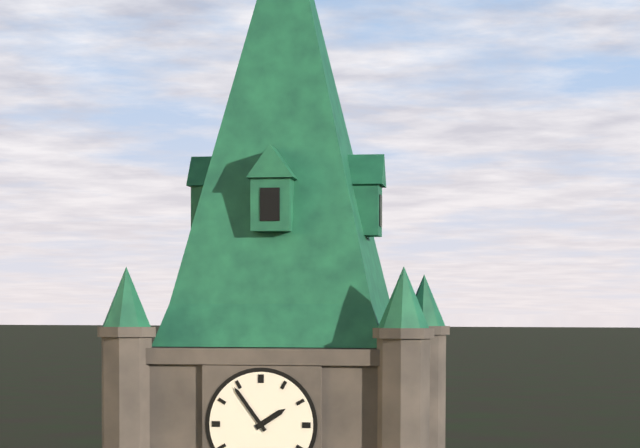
1.54
